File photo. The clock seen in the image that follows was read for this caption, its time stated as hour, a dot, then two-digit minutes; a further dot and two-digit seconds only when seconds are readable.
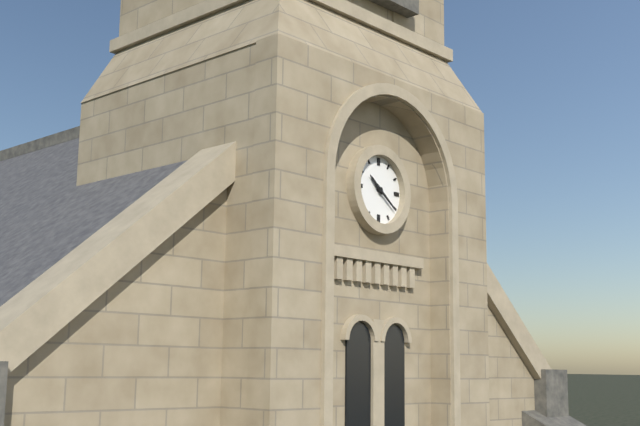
10.21
